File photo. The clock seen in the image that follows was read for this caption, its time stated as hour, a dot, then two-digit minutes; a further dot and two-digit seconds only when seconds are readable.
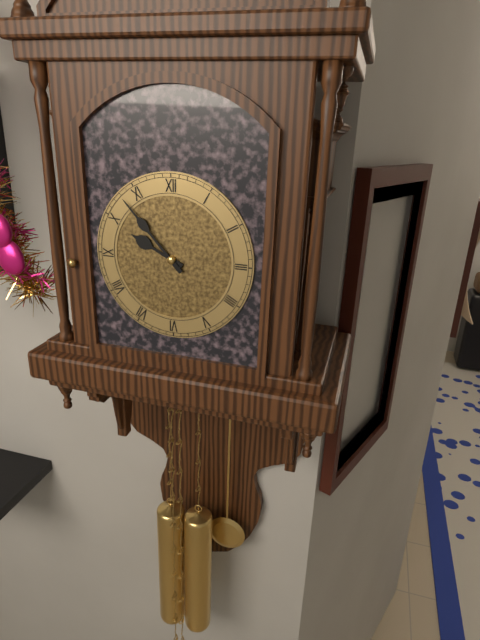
9.53
